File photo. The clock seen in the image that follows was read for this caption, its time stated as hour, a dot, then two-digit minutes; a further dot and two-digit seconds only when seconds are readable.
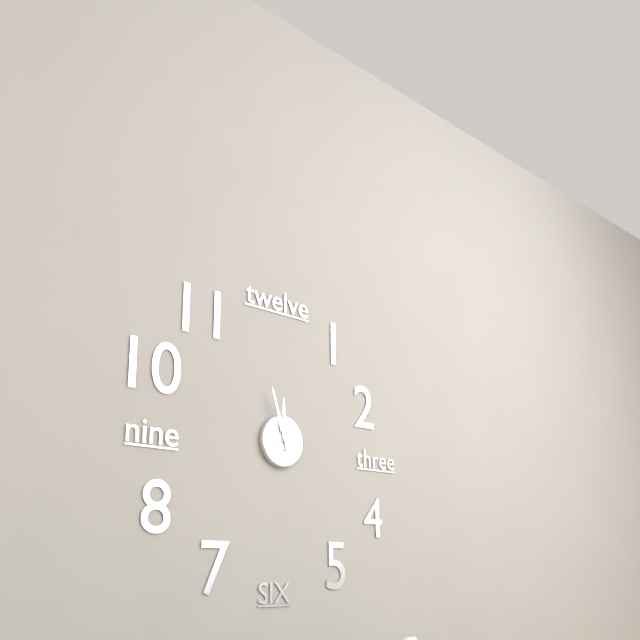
11.57
